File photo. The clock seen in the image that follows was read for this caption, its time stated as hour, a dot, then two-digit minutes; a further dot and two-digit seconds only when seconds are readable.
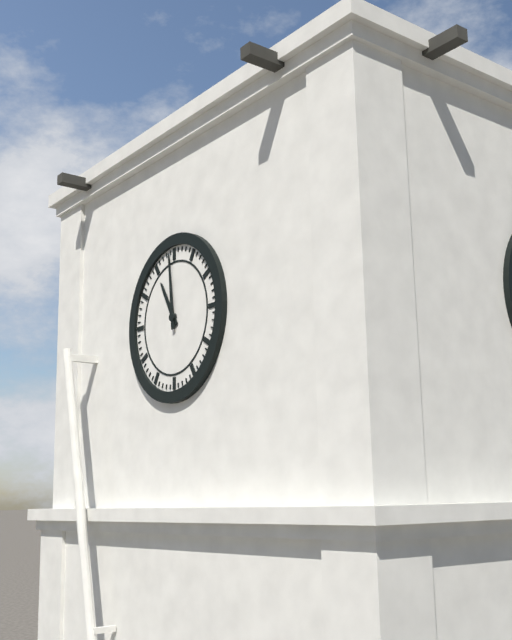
10.59
